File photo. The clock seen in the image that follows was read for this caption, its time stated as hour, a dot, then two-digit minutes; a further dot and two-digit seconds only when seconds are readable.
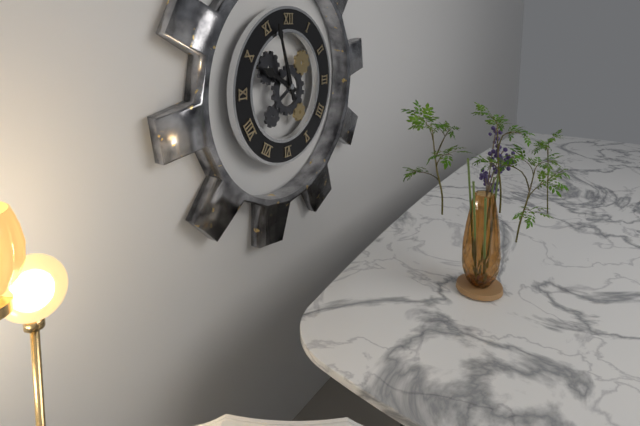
9.57
